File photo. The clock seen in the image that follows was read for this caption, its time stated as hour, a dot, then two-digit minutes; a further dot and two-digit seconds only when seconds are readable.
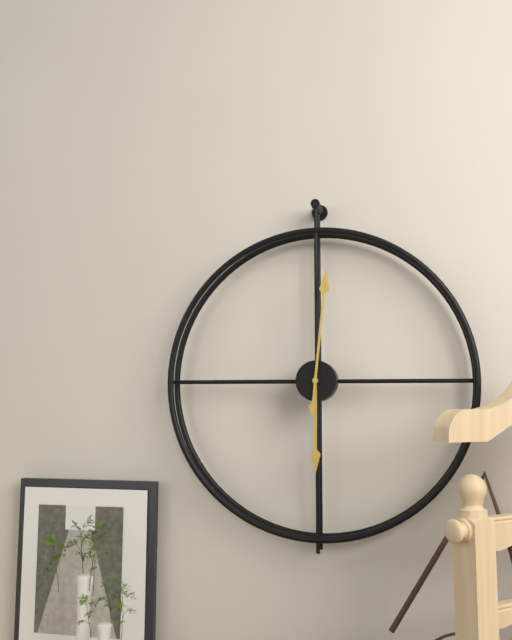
6.01
